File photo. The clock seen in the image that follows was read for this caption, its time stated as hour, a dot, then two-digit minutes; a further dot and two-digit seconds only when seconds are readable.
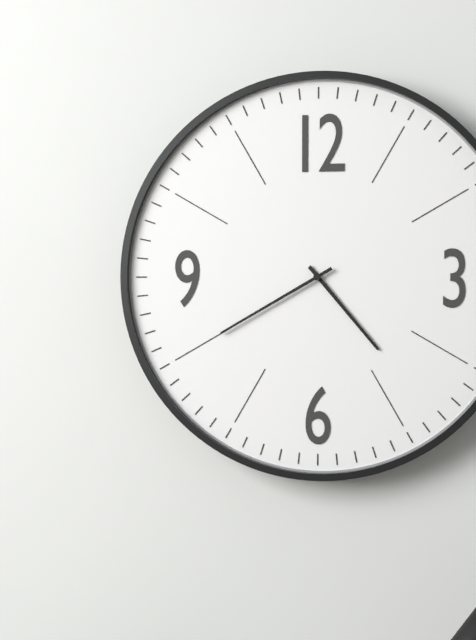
4.40
